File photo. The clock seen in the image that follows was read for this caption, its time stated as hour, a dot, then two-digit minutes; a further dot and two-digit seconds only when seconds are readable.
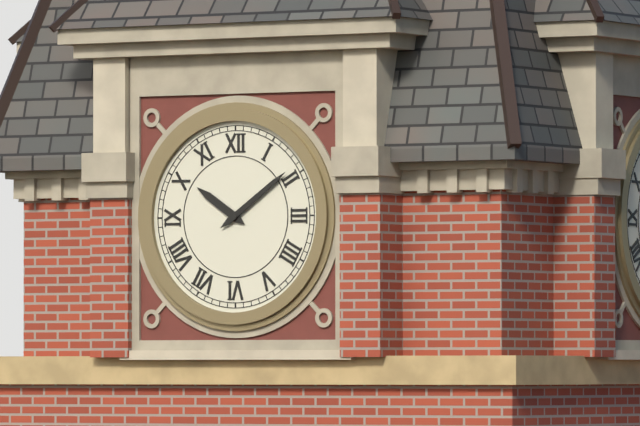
10.09
